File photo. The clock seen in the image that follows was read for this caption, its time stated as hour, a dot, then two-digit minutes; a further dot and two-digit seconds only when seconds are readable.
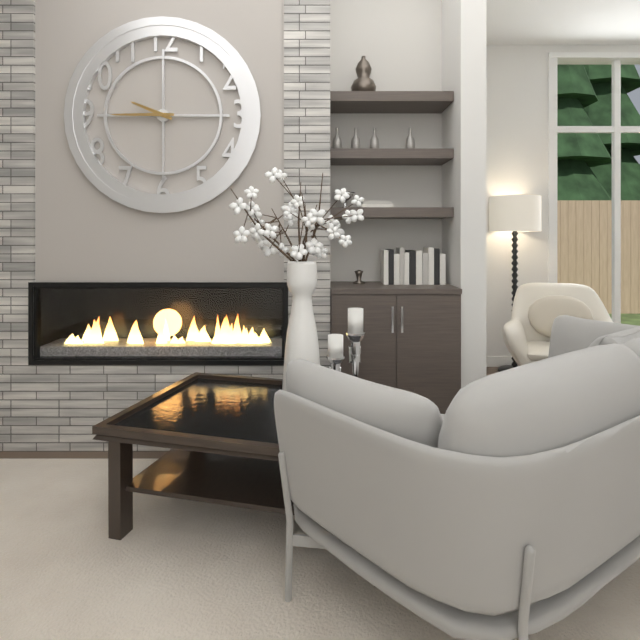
9.45
